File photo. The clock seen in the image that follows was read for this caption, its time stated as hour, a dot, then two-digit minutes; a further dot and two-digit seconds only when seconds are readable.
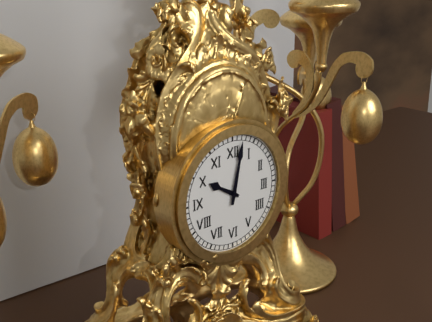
10.02
